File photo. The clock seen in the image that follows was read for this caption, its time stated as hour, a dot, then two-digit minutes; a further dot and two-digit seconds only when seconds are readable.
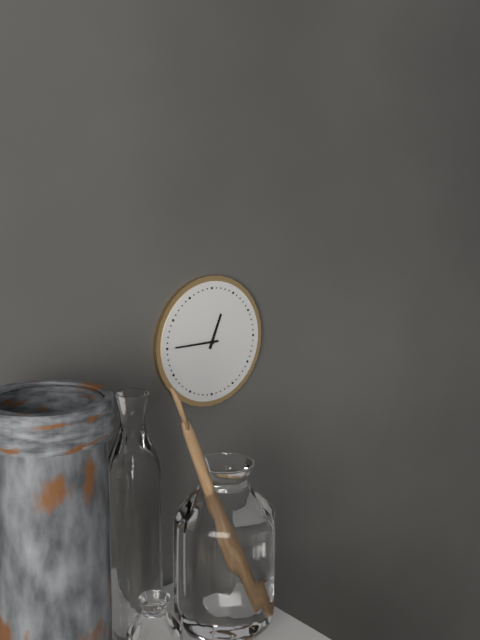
12.45
